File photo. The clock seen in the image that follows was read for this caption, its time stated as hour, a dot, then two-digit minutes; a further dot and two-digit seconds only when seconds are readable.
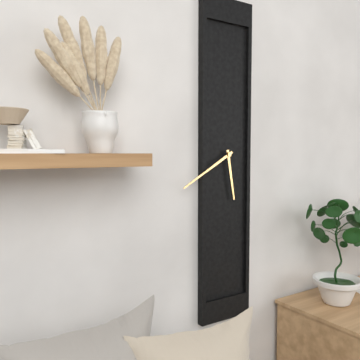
5.40
